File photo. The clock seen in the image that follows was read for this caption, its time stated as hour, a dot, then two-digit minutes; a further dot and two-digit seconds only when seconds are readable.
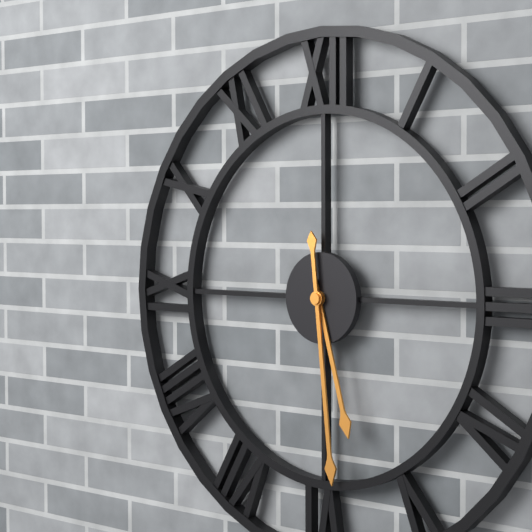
5.29
